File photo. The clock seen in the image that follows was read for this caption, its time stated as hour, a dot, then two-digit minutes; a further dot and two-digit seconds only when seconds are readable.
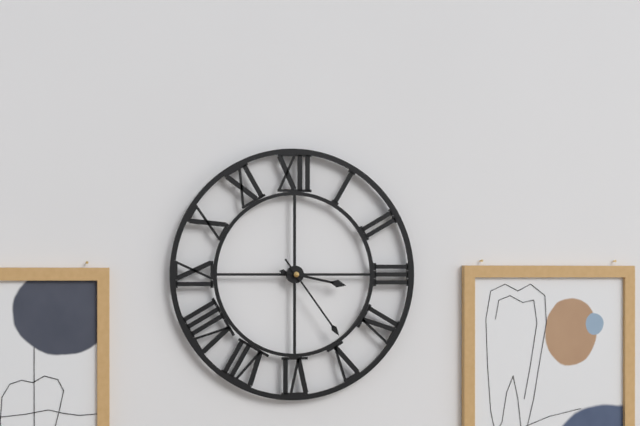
3.24
